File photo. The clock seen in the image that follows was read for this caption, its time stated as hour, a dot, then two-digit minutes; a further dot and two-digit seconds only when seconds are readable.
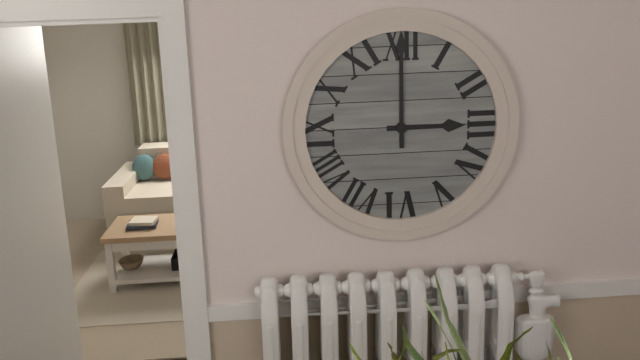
3.00
